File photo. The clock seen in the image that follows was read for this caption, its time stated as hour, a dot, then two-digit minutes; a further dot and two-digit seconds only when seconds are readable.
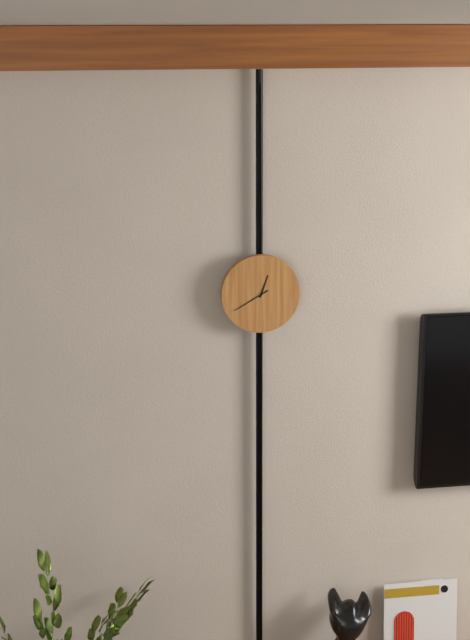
12.40
